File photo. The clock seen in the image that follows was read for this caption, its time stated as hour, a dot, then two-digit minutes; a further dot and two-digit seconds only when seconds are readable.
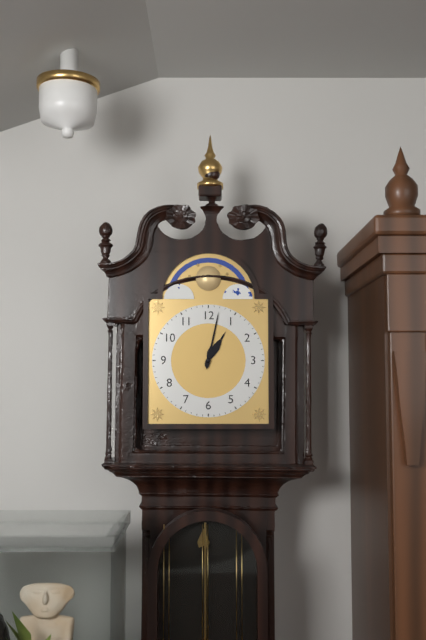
1.02
